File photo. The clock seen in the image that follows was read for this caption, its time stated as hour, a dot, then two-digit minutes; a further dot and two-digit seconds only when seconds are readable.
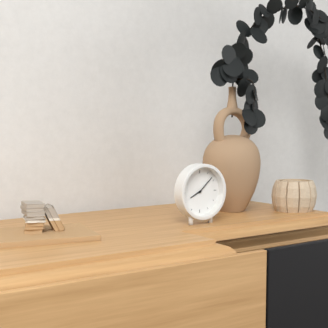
8.08
